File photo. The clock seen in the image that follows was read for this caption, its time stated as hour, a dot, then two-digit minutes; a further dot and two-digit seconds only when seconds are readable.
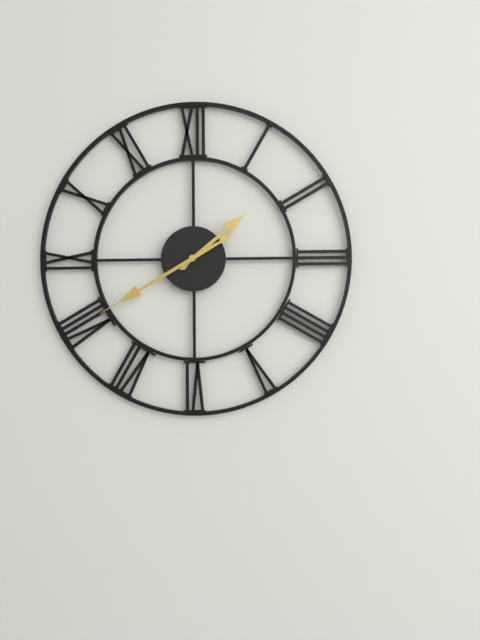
1.40
